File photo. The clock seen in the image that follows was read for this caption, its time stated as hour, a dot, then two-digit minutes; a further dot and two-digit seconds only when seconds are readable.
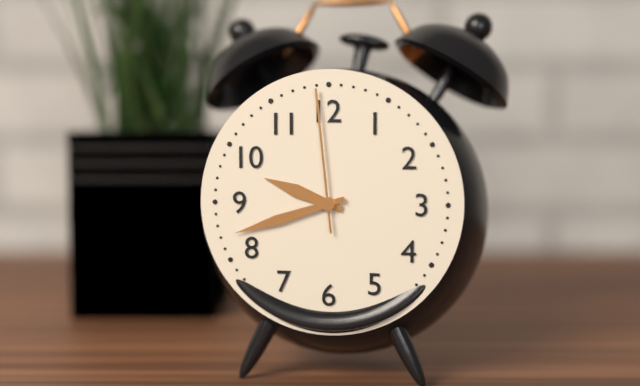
9.42.59
